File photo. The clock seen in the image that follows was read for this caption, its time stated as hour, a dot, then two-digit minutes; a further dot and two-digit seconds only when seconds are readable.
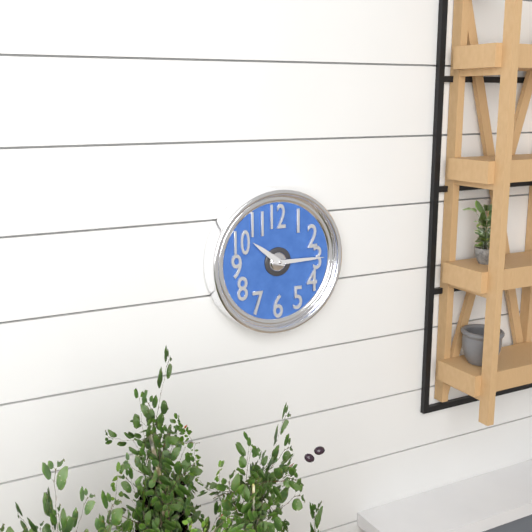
10.15
